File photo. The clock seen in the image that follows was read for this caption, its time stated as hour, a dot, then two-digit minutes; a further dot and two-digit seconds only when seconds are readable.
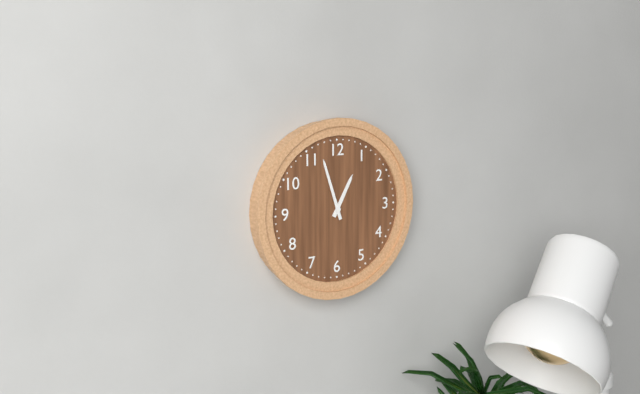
12.57
